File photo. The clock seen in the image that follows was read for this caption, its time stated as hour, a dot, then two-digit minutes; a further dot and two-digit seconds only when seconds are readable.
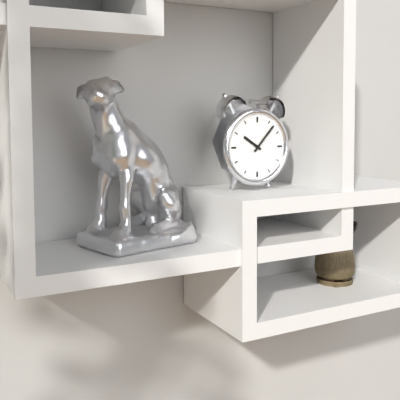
10.07
